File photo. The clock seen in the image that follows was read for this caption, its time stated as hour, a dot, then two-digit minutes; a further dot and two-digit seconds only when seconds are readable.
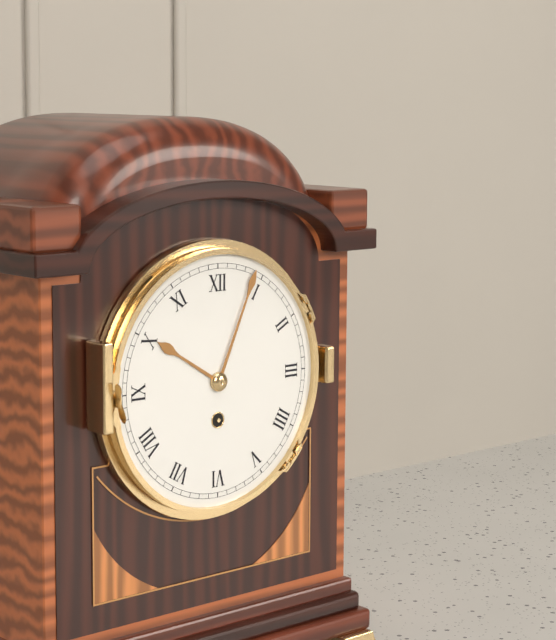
10.04
